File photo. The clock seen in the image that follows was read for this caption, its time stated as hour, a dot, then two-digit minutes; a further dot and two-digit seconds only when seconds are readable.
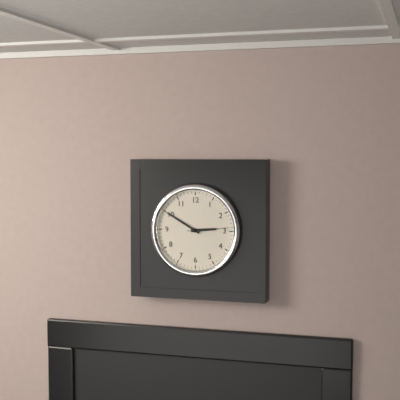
2.50
